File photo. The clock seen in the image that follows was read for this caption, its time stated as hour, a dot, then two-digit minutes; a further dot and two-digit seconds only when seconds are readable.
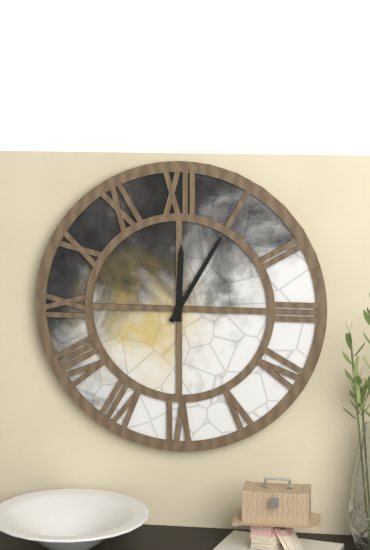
12.05
